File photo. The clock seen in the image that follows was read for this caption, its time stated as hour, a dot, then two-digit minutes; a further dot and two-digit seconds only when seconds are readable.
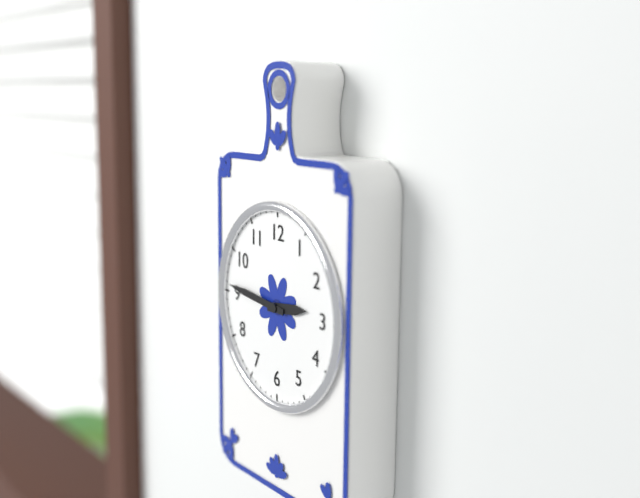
2.46
